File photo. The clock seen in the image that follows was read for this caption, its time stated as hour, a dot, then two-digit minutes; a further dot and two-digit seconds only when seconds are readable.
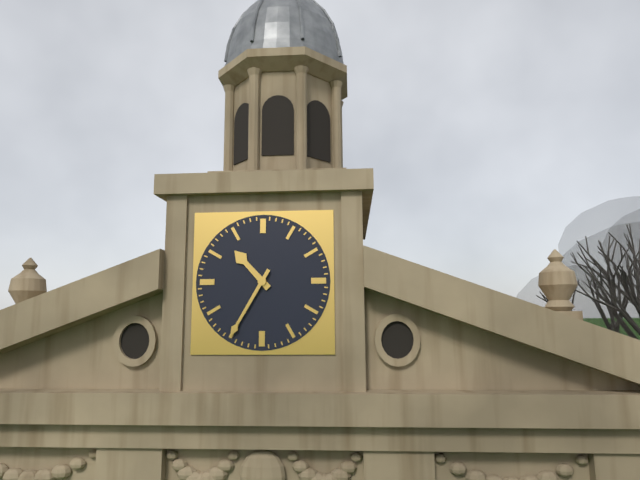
10.35
